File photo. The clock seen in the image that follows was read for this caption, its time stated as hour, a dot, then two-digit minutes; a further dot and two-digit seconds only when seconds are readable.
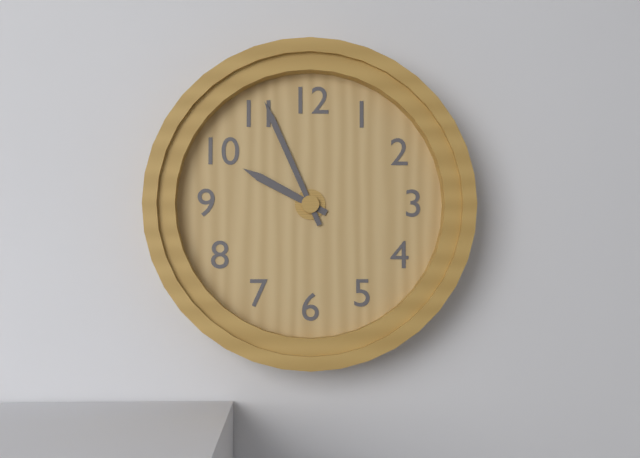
9.56
